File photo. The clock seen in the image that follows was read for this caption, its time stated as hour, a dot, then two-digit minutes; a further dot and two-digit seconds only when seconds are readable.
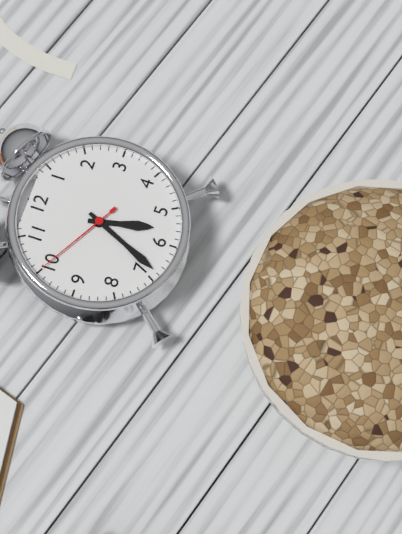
5.34.50
